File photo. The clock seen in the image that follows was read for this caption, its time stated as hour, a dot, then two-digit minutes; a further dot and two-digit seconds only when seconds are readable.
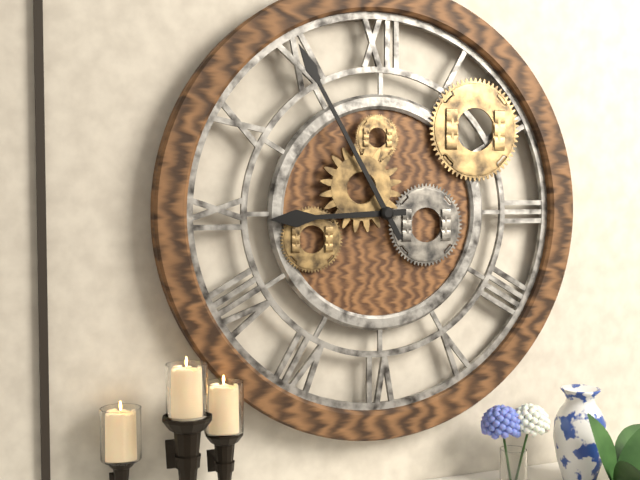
8.55
